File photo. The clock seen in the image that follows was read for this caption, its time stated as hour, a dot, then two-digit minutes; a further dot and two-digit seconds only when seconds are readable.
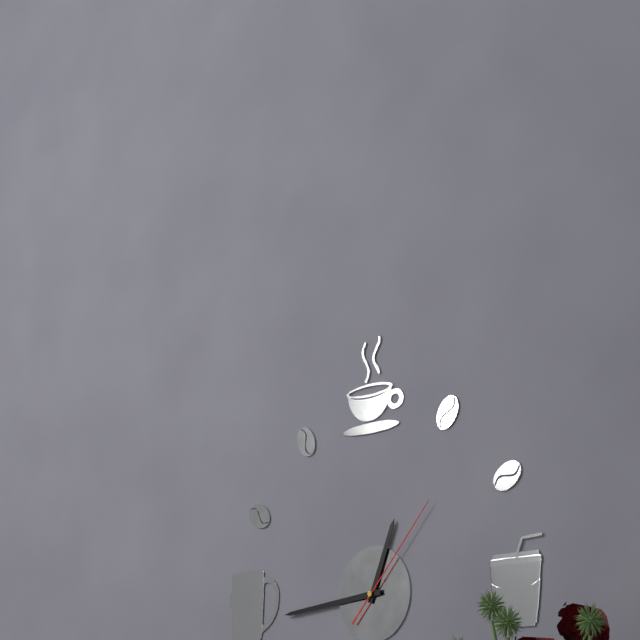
12.44.07
